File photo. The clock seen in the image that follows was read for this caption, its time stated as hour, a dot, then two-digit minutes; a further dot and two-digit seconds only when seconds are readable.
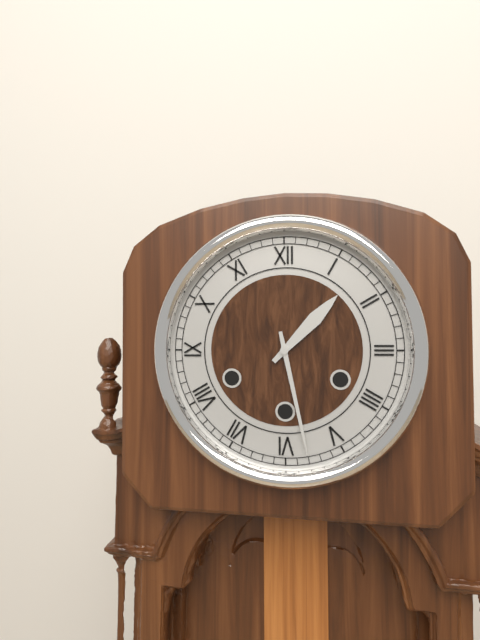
1.28
